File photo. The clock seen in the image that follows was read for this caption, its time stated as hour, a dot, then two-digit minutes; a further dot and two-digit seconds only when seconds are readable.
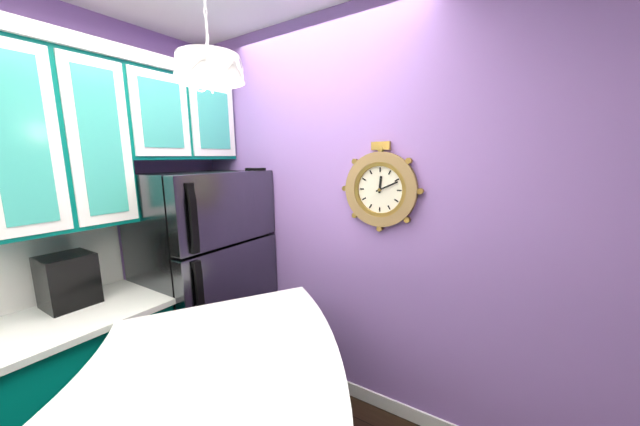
12.11
